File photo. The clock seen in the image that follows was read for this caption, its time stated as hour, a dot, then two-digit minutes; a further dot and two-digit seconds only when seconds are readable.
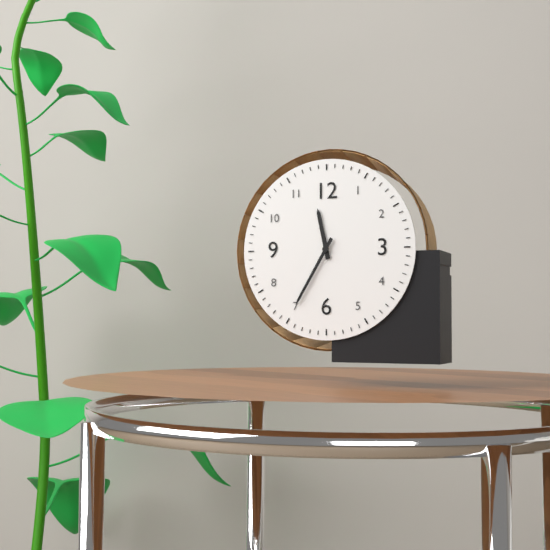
11.35
